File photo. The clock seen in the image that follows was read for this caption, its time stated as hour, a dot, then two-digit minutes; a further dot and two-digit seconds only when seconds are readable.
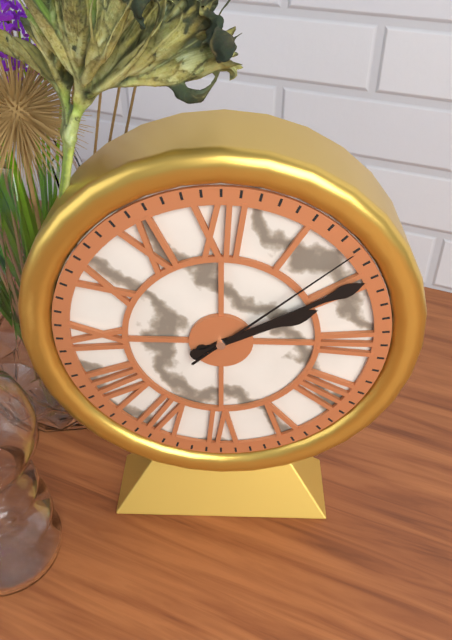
2.10.08
